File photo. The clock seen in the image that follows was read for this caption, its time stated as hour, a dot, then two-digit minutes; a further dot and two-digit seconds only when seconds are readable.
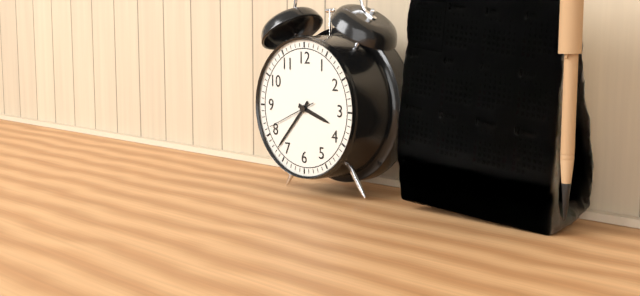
3.37
